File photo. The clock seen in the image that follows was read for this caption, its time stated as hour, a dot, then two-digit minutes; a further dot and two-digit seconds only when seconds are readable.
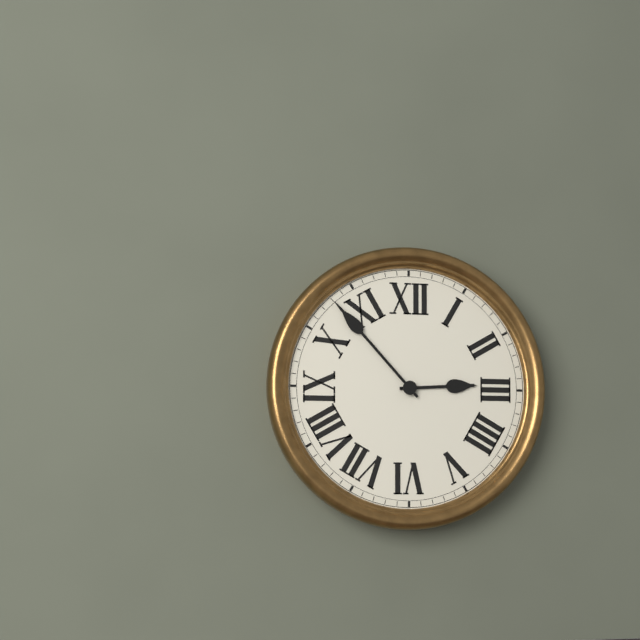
2.53
